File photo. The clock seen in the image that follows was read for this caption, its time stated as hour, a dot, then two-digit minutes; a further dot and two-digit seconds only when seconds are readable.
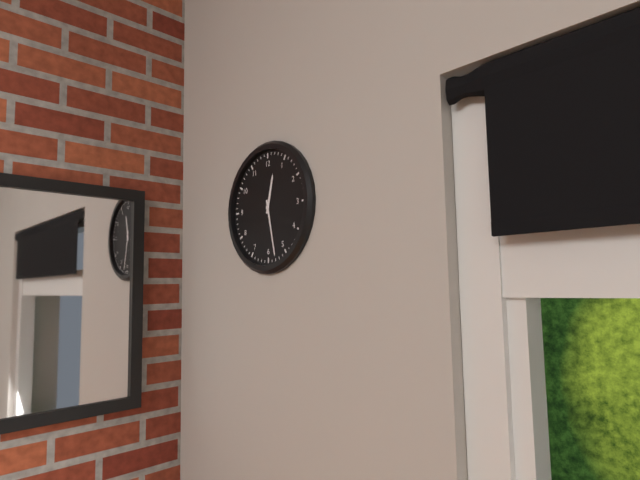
12.28
